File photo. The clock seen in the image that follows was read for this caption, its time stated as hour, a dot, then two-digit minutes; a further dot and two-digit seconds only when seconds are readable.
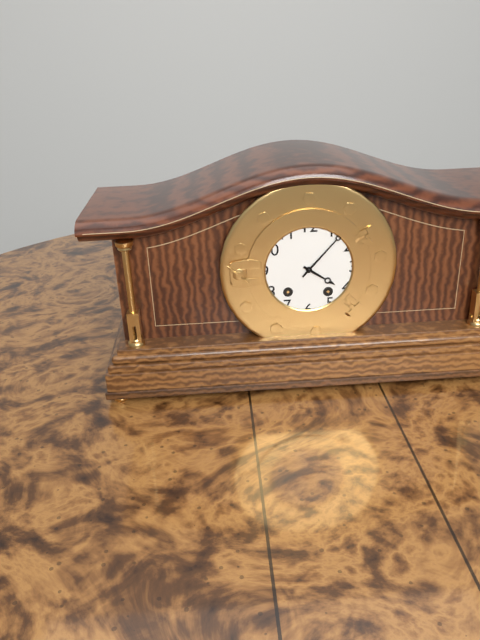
4.07
